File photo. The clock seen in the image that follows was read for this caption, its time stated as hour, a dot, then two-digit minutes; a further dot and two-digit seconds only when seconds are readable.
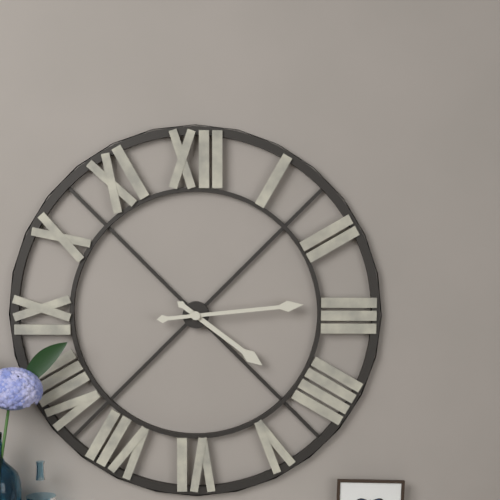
4.14
